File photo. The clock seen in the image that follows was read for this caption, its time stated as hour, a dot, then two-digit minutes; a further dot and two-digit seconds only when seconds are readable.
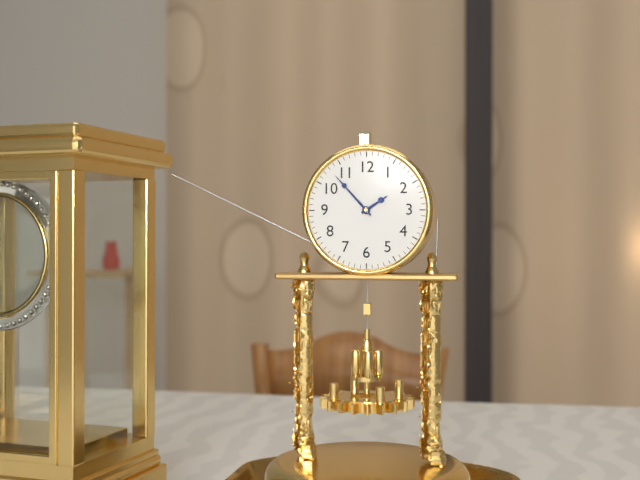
1.53
